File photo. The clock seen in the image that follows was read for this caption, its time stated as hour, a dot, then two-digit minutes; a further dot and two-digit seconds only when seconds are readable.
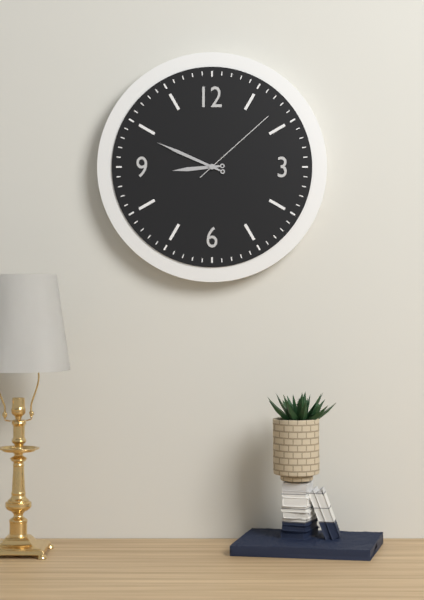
8.49.08
